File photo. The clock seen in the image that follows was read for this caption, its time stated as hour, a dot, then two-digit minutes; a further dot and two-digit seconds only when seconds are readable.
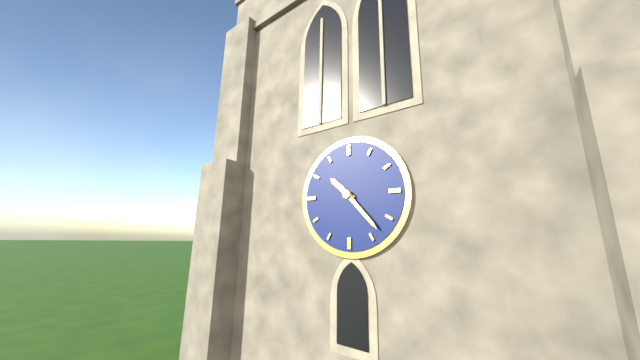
10.23
